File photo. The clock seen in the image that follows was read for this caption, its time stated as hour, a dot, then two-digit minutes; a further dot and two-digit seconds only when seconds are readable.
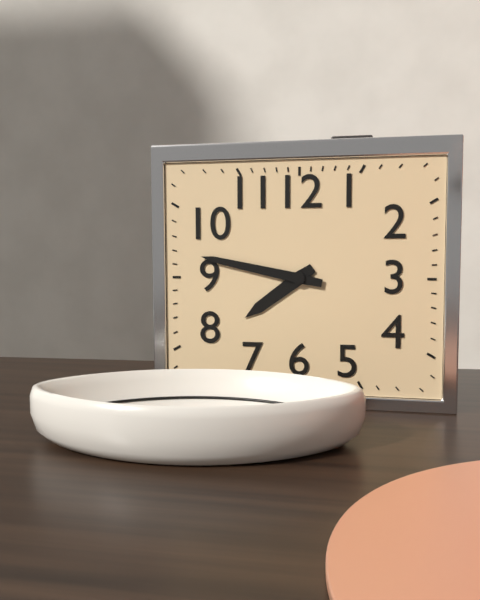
7.47
